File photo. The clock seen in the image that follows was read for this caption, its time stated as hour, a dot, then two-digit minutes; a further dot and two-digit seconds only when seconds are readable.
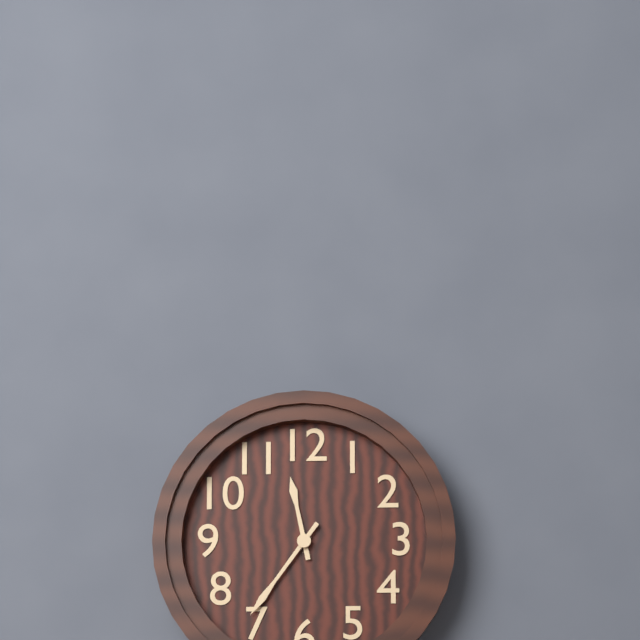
11.36
